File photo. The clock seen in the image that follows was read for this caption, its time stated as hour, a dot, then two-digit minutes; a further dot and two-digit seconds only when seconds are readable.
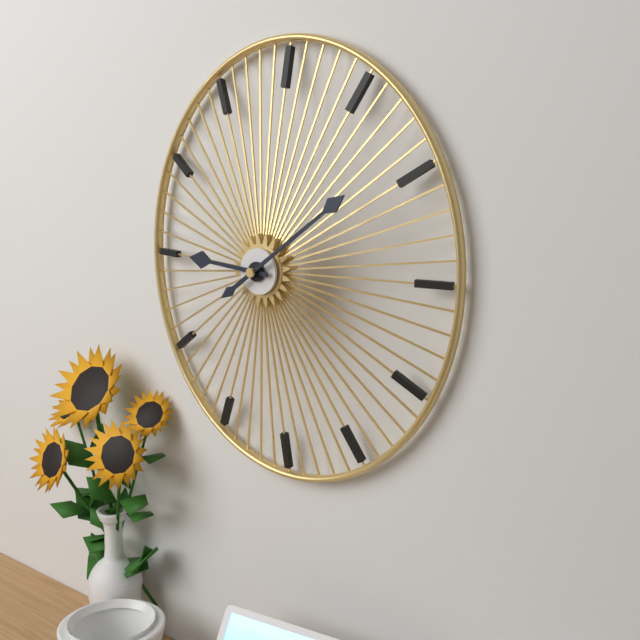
9.09
